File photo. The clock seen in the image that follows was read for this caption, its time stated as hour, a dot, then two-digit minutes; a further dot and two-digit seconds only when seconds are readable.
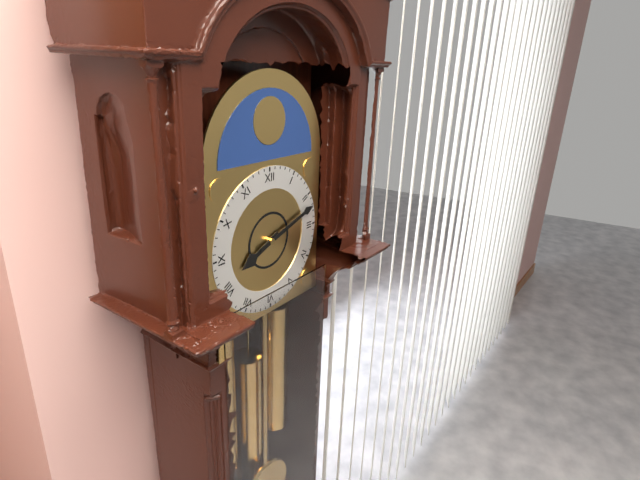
8.12
